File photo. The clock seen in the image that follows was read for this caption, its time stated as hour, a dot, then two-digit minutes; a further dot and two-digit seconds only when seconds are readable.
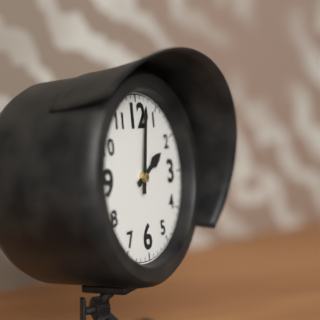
2.02
